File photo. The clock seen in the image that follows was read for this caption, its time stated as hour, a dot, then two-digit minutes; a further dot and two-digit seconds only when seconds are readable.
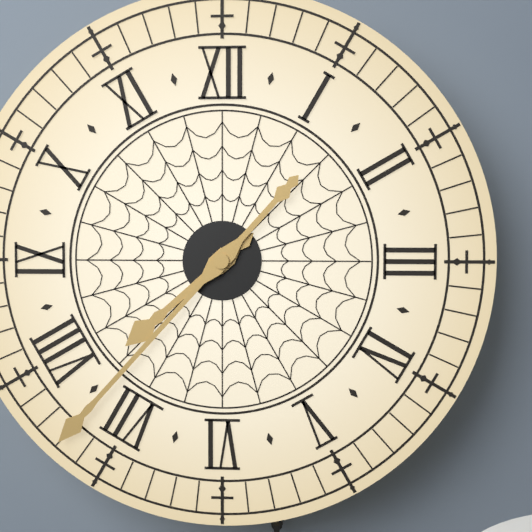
7.37
